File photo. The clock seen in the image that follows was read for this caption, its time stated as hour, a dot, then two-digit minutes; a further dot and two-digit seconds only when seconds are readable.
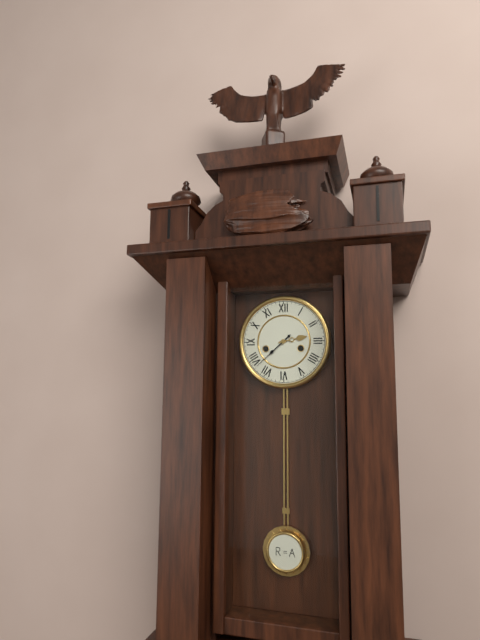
2.38
